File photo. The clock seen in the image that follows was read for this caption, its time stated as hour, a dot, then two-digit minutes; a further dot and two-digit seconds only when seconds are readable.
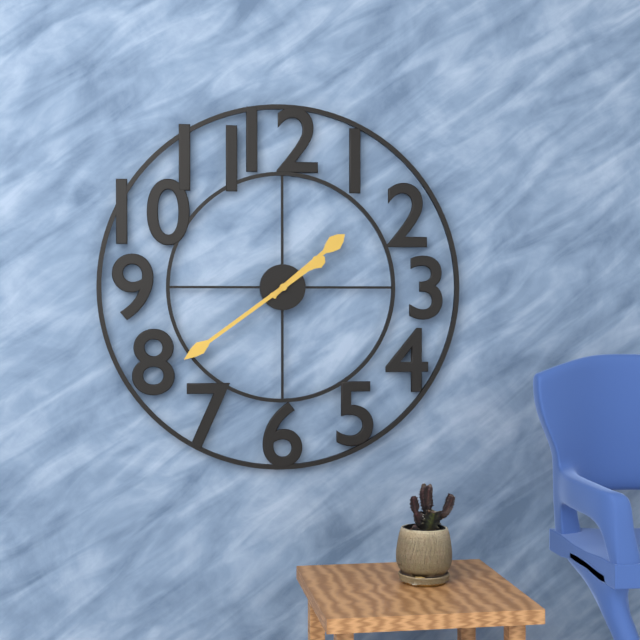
1.39
